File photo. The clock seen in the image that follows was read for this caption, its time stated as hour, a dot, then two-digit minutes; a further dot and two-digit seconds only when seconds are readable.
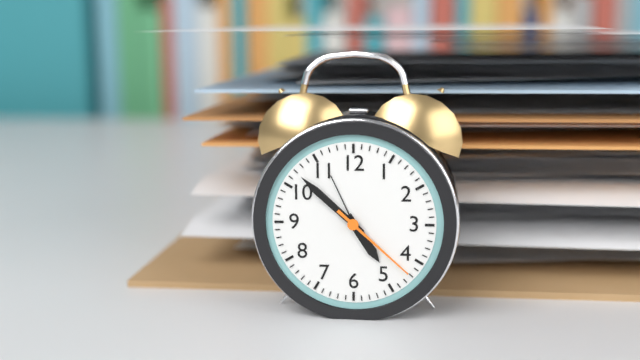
4.52.22
